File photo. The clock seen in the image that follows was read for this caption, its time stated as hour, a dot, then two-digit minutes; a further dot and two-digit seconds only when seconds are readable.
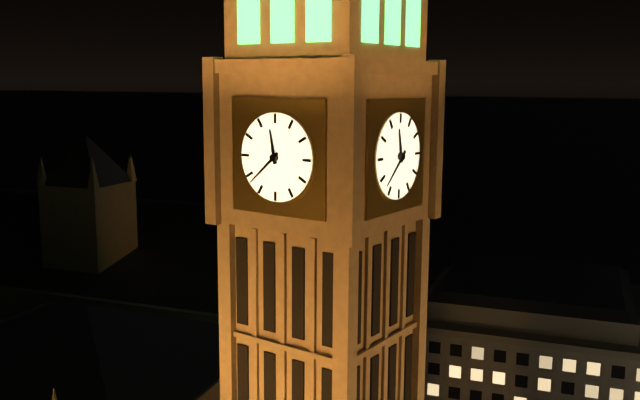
11.38
